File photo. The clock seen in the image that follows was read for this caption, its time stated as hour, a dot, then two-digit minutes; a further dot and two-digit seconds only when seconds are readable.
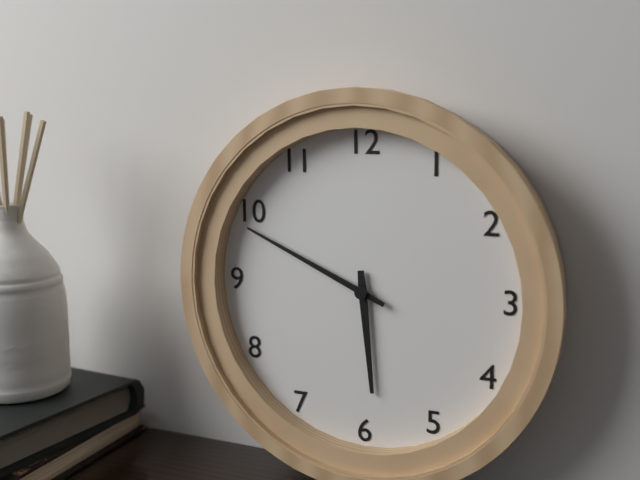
5.49
